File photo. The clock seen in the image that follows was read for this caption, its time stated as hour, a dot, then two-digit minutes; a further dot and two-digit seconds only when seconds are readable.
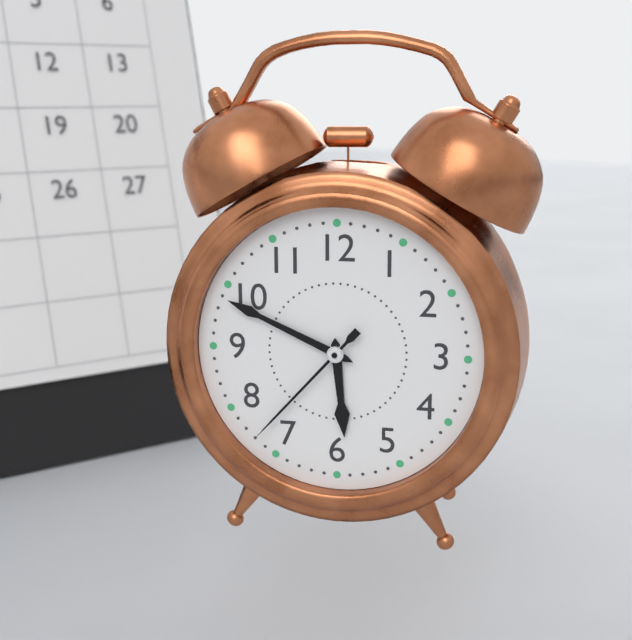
5.49.37
